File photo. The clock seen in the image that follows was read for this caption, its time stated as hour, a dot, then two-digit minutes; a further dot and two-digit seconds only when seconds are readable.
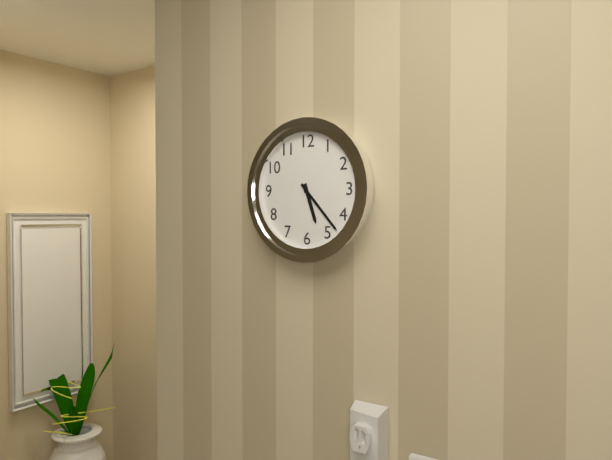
5.23
